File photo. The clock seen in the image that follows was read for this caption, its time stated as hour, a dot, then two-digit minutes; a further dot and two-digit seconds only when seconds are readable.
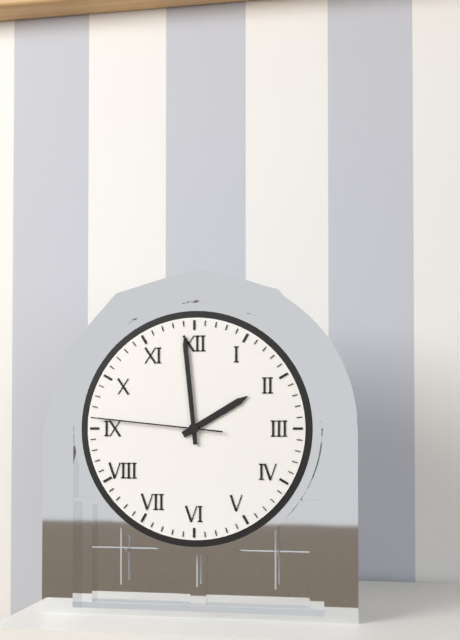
1.59.46
